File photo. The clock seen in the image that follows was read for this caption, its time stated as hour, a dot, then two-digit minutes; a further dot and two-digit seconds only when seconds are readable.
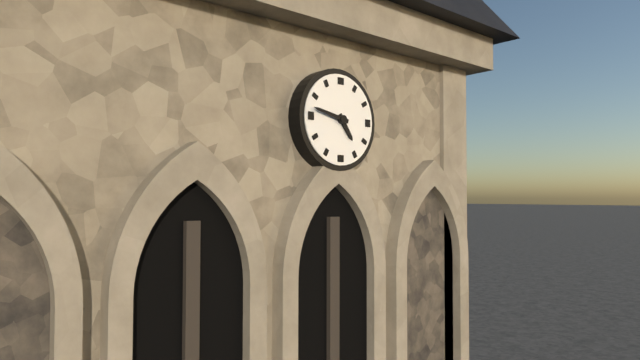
4.47
